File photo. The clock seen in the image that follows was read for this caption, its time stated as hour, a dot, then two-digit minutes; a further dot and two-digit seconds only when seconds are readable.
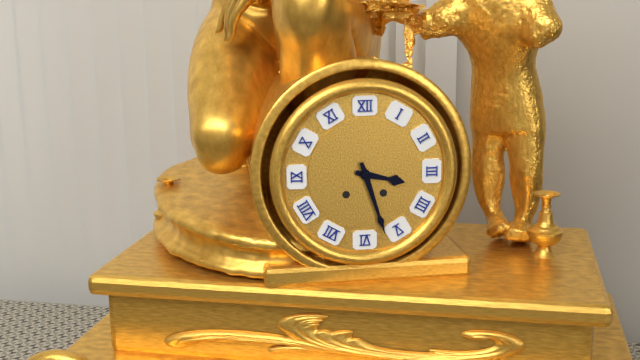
3.27
